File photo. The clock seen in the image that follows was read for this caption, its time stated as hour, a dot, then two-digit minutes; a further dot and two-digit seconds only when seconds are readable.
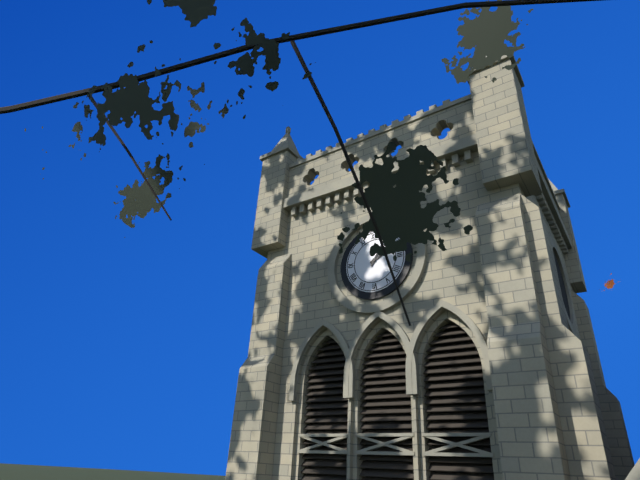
2.05
